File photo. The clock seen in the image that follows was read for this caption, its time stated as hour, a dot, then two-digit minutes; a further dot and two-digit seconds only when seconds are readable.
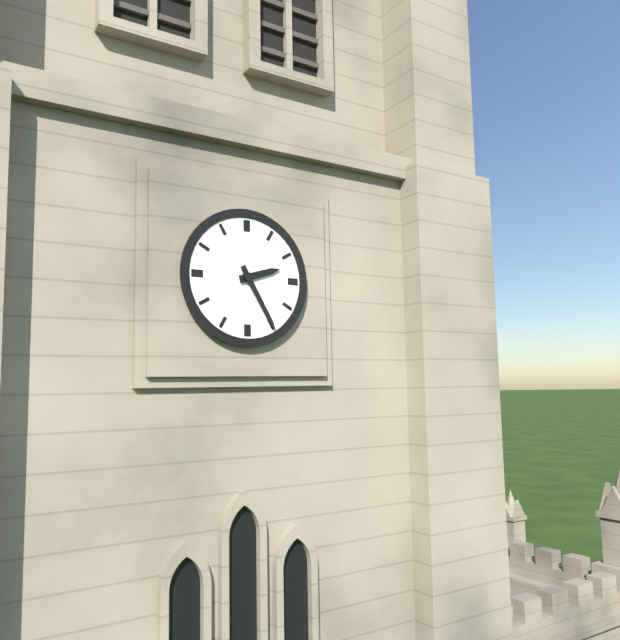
2.25
